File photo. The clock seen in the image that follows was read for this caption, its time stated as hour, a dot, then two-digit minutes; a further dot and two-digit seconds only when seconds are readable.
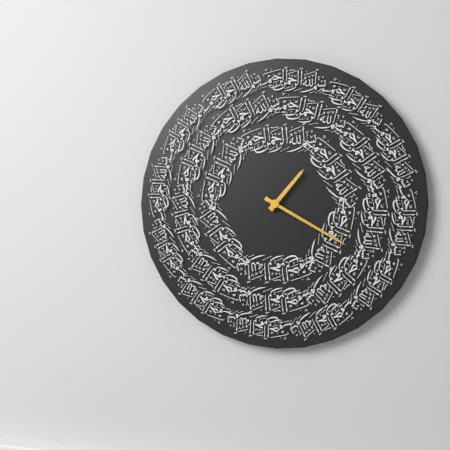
1.20
